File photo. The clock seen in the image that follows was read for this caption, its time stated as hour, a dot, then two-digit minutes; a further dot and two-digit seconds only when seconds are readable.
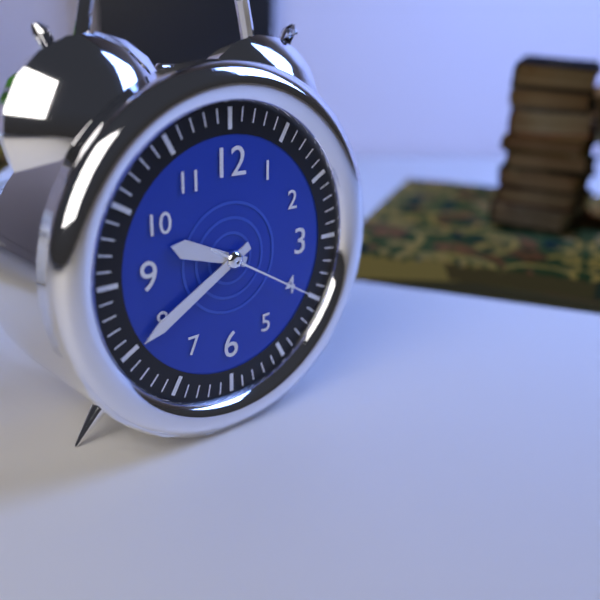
9.40.20
